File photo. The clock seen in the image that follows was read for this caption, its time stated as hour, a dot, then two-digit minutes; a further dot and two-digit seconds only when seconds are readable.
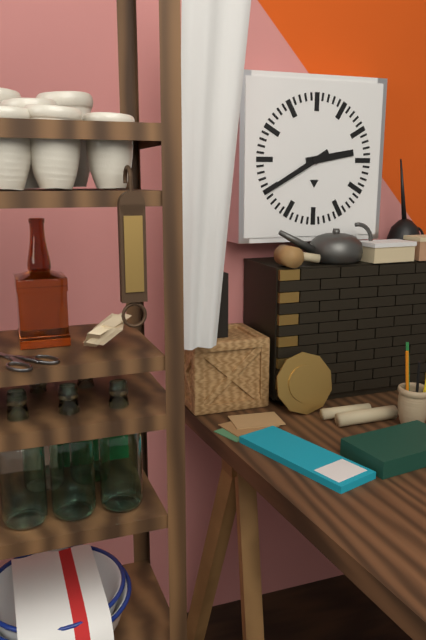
2.40
